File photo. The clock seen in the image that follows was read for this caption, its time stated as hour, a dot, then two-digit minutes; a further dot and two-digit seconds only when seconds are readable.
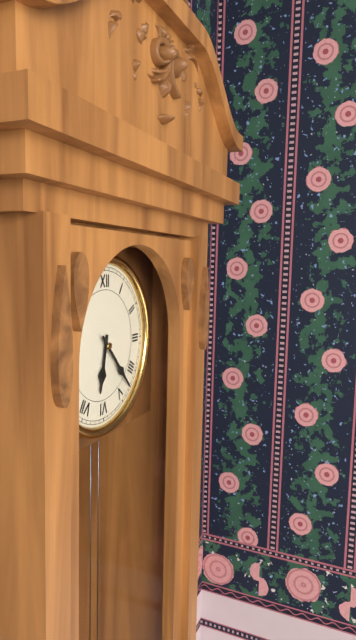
6.23
